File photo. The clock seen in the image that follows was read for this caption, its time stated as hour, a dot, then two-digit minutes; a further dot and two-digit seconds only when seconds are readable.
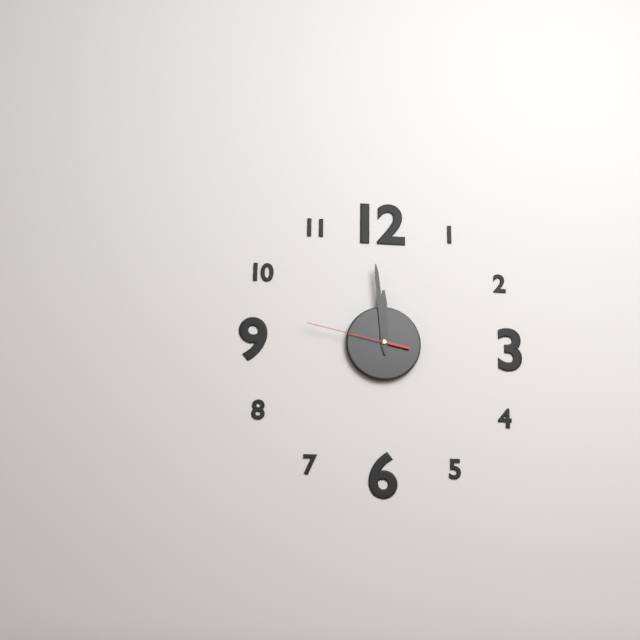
11.59.47
